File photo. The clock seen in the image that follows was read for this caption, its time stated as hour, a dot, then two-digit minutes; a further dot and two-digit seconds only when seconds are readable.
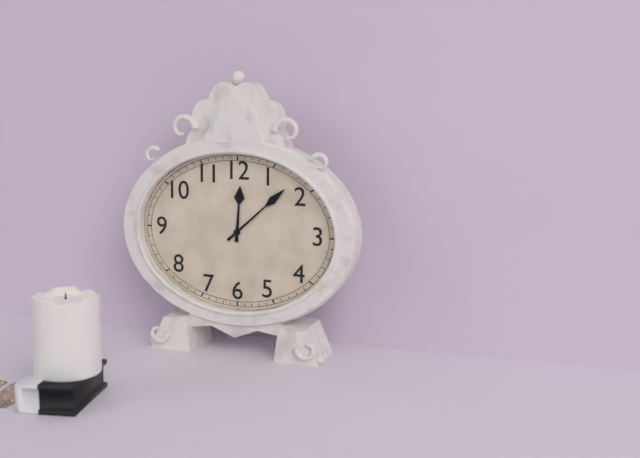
12.08
